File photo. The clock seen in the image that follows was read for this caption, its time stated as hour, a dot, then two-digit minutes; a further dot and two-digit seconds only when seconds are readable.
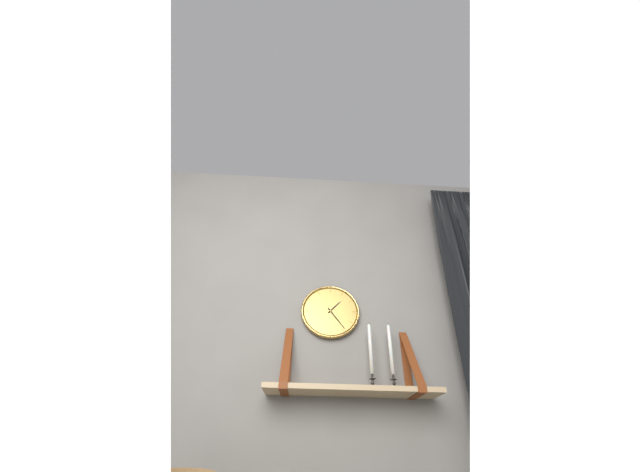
1.24
